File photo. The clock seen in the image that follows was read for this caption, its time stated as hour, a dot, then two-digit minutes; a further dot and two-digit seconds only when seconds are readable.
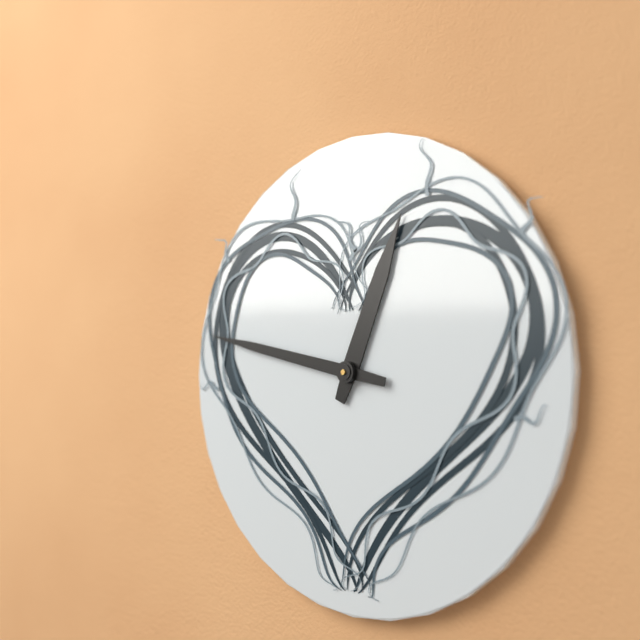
12.47
